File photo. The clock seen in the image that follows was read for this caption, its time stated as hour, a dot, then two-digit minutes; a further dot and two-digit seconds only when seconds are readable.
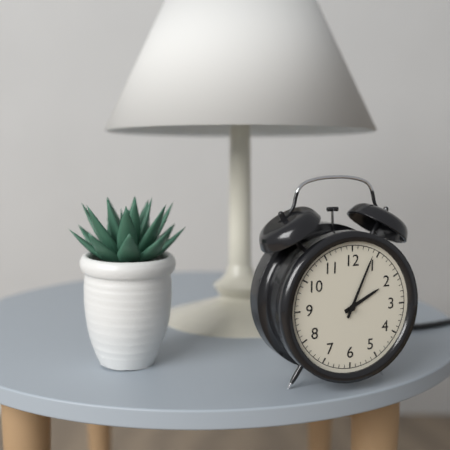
2.04
